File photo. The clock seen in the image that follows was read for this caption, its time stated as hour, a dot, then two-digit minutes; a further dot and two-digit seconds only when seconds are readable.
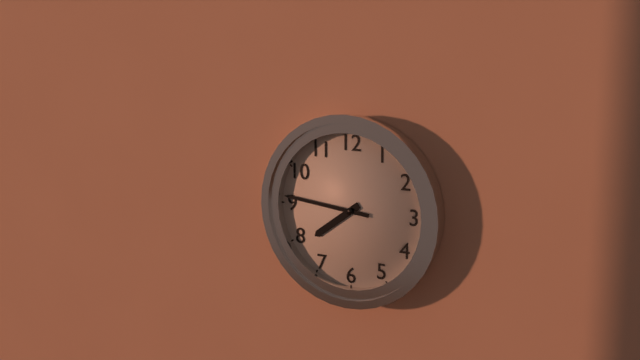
7.46
